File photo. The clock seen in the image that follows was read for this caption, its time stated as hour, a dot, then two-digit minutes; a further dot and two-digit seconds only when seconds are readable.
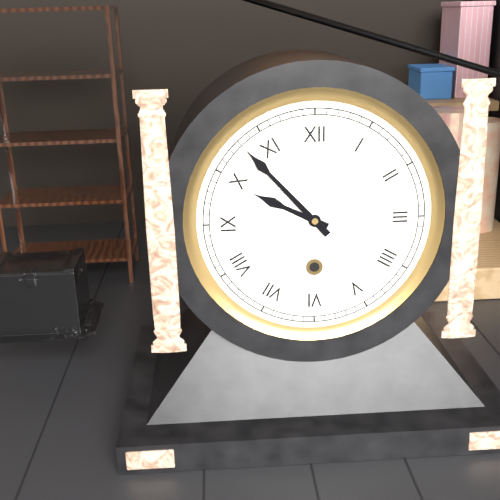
9.53
